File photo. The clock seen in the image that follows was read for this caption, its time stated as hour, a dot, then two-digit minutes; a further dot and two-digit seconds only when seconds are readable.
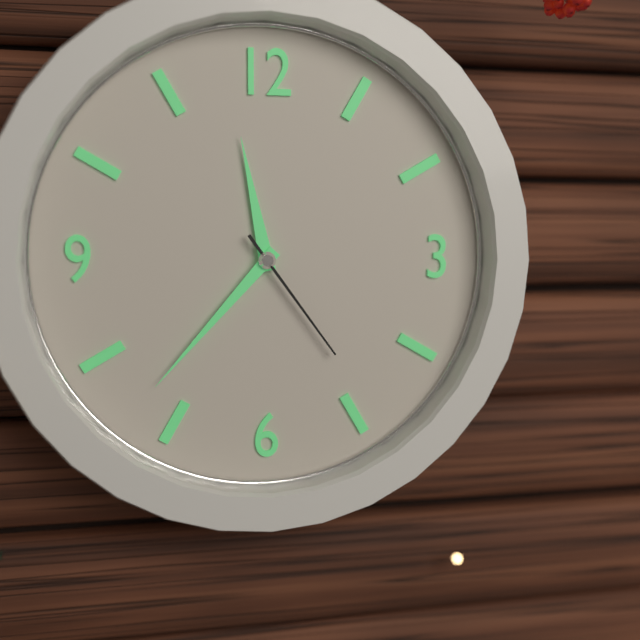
11.37.24
